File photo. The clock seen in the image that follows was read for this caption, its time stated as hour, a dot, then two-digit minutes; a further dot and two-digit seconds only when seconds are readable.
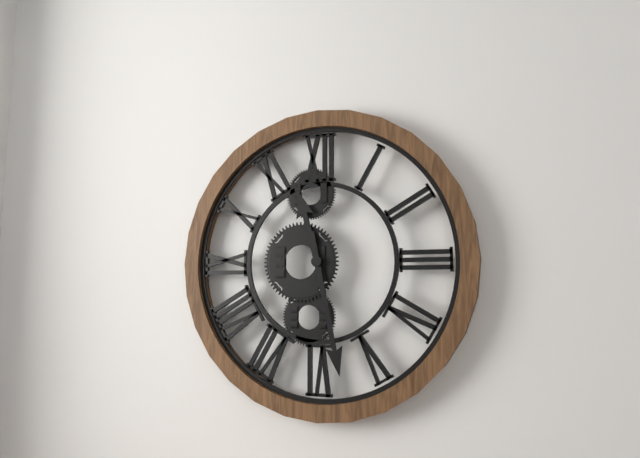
11.28
